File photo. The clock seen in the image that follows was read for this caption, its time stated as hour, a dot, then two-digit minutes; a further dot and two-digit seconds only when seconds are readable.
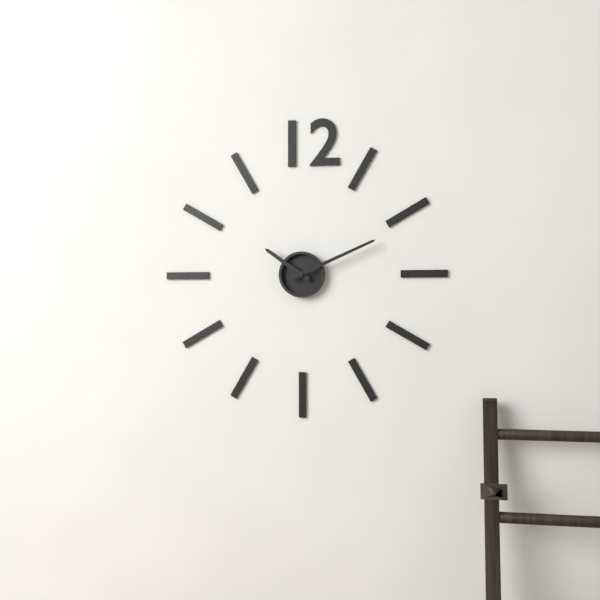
10.11
